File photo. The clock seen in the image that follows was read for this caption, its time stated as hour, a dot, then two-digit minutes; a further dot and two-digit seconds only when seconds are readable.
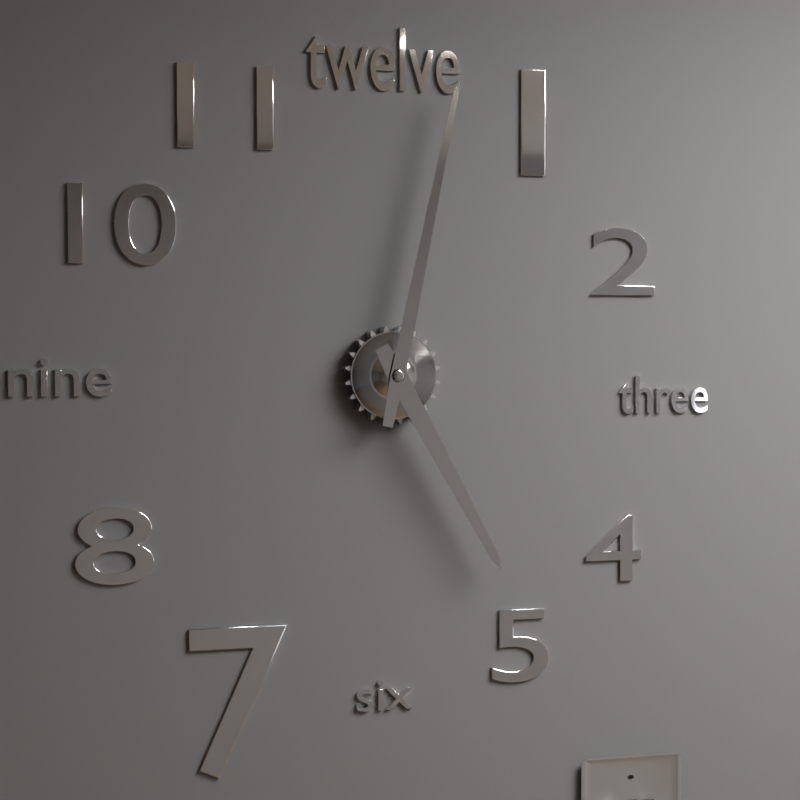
5.02
